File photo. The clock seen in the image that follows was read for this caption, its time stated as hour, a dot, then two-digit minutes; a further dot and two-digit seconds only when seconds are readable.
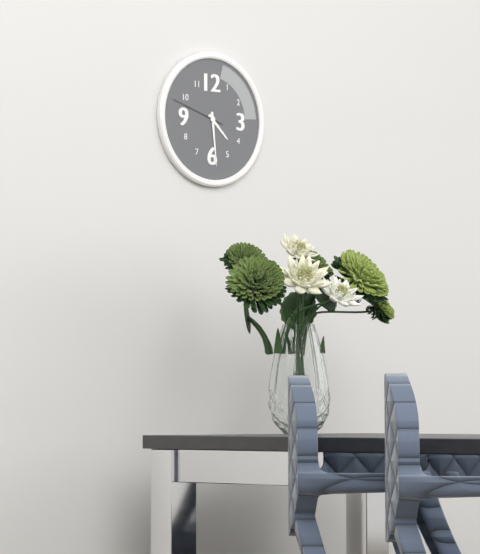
4.29.48
